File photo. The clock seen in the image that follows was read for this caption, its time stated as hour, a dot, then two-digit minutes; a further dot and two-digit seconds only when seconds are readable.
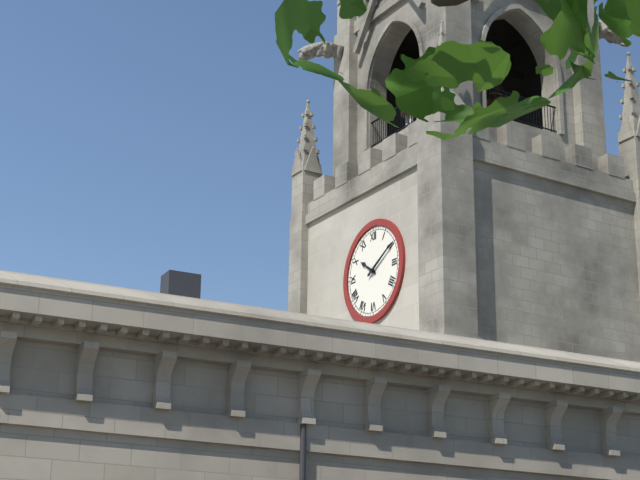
10.10
